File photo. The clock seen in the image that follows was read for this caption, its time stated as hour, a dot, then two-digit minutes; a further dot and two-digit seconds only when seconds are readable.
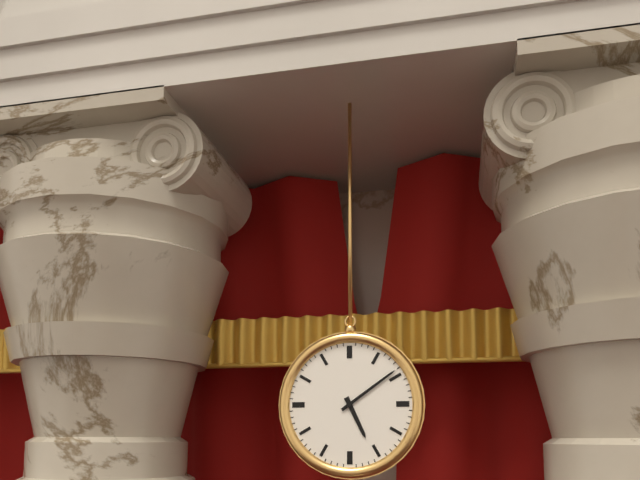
5.09
